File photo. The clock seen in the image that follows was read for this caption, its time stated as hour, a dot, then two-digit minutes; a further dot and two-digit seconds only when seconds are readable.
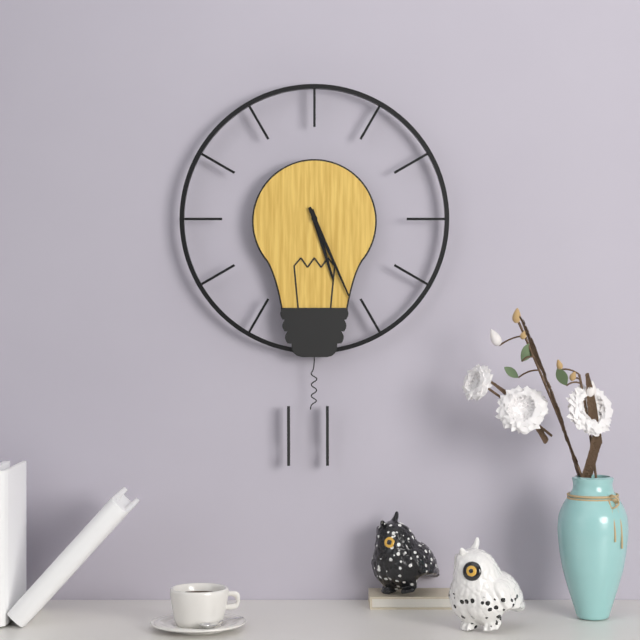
5.26
